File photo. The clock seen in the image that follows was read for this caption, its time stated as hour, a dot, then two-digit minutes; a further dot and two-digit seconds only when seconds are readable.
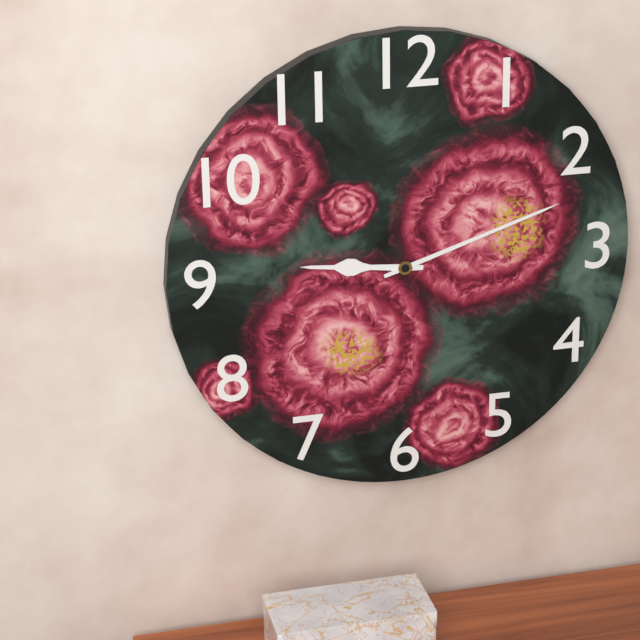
9.12
